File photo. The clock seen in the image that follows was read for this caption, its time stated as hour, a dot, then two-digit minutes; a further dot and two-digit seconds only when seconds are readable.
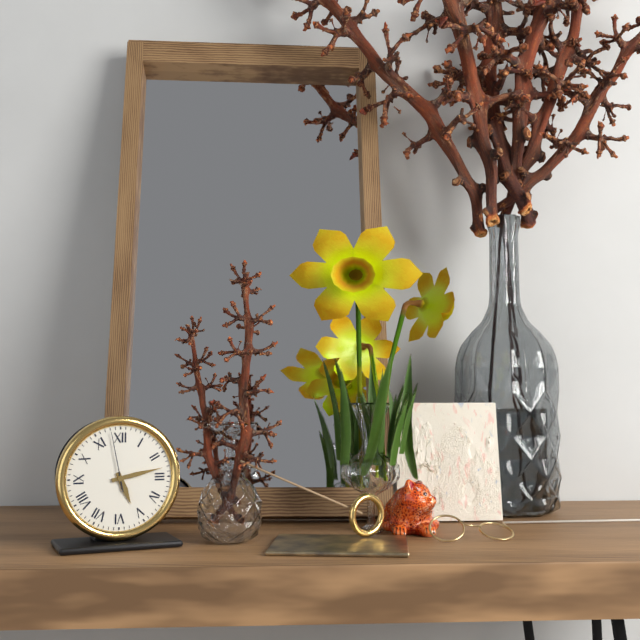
5.13.58
